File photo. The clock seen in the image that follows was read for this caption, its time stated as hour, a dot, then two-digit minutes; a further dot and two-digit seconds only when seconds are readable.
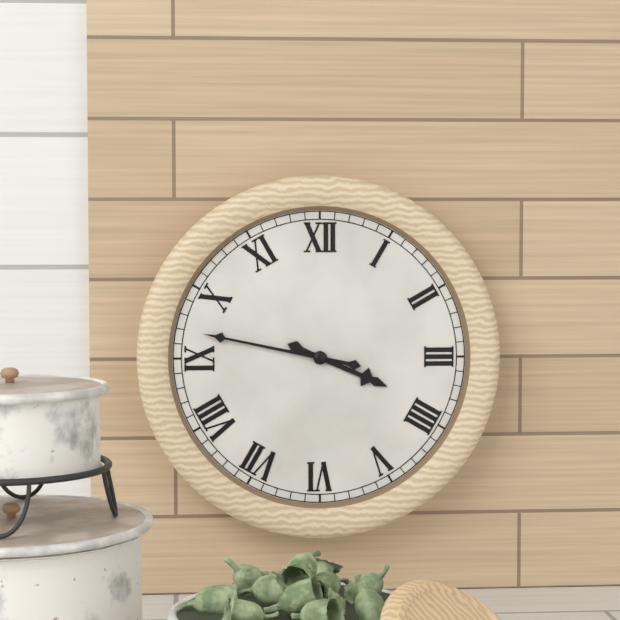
3.47
